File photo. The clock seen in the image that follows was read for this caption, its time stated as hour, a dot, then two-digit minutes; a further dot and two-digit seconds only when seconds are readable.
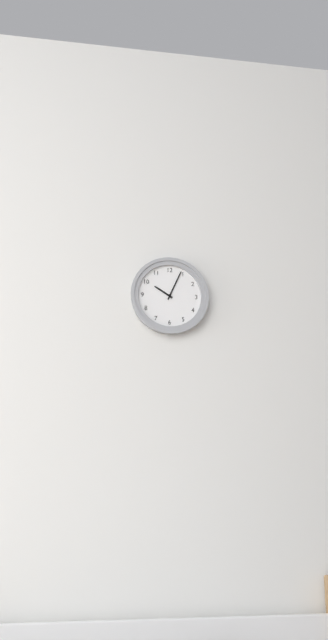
10.04
